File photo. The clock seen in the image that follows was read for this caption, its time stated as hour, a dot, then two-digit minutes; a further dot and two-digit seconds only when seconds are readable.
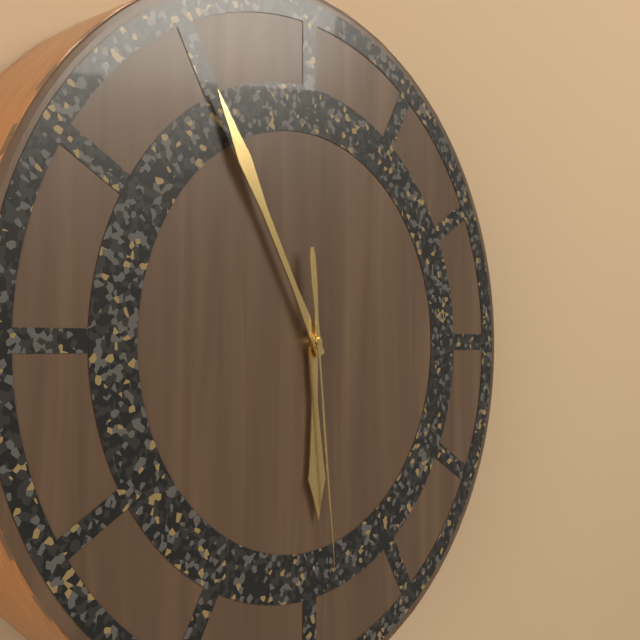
5.55.29
